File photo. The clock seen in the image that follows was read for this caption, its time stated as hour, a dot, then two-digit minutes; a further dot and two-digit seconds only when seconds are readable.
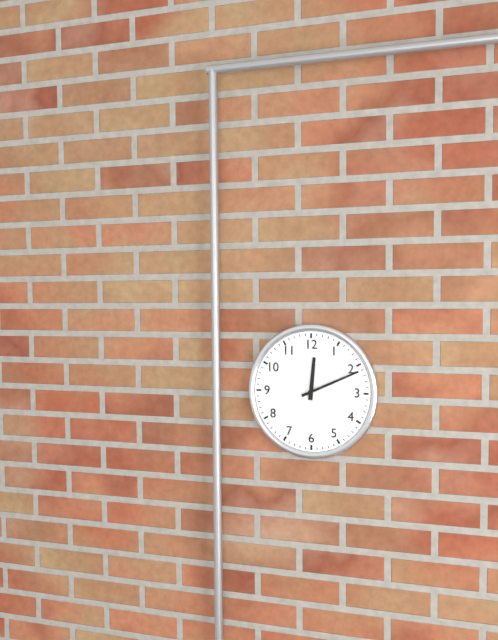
12.11
